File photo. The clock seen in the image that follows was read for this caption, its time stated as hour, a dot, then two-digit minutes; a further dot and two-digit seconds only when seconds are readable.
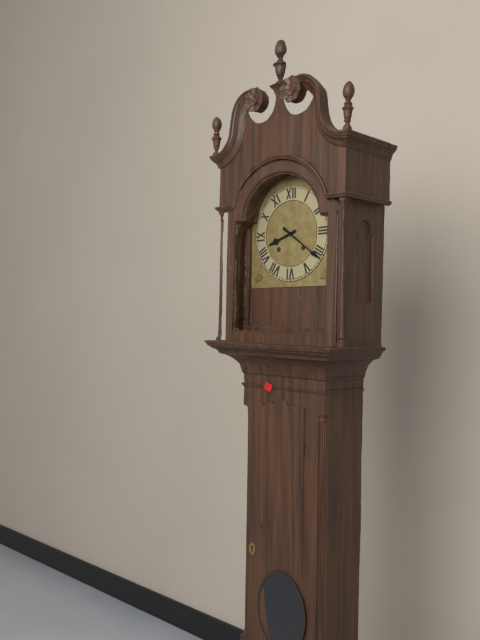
8.21
